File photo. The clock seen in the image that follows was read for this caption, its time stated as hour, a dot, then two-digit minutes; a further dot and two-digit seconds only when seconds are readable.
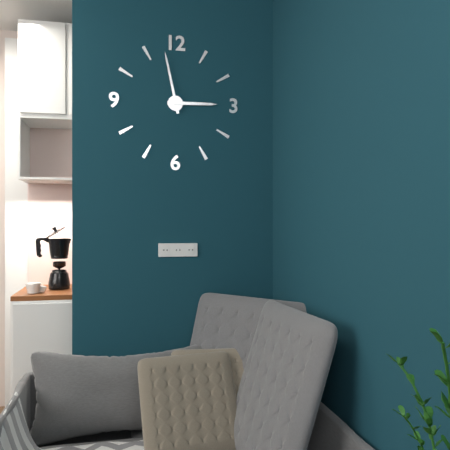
2.58
